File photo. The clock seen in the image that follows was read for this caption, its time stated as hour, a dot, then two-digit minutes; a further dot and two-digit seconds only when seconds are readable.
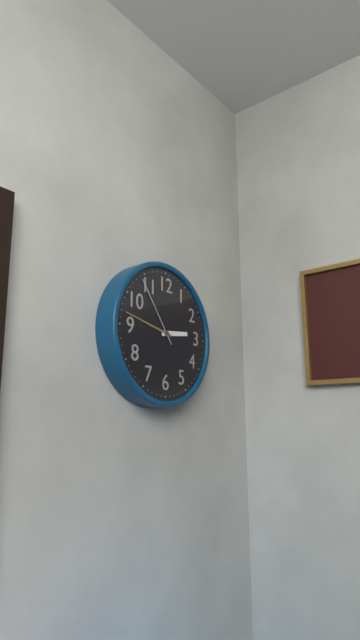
2.47.54
